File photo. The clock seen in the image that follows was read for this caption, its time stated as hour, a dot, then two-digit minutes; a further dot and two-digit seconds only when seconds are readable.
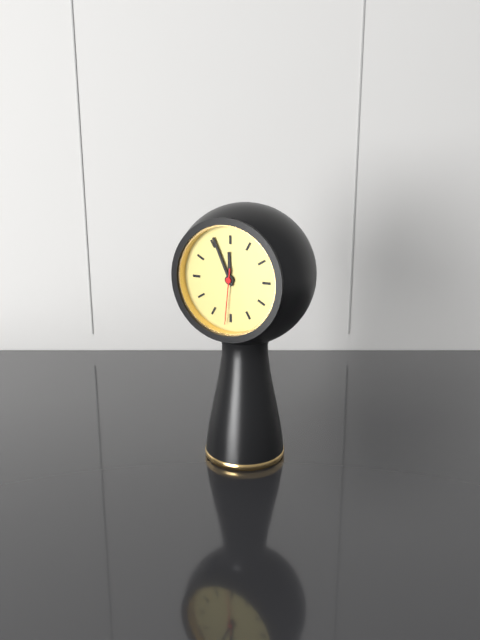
11.56.31
